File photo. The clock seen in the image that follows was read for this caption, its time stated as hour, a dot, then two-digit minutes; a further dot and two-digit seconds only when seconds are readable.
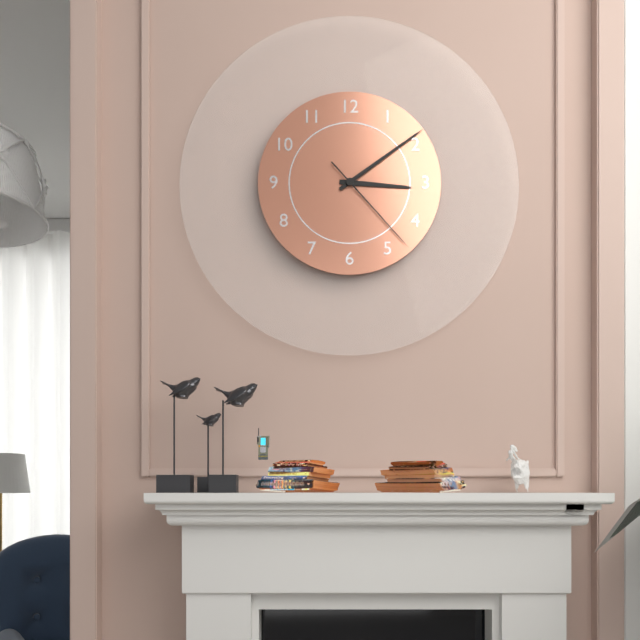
3.09.23
